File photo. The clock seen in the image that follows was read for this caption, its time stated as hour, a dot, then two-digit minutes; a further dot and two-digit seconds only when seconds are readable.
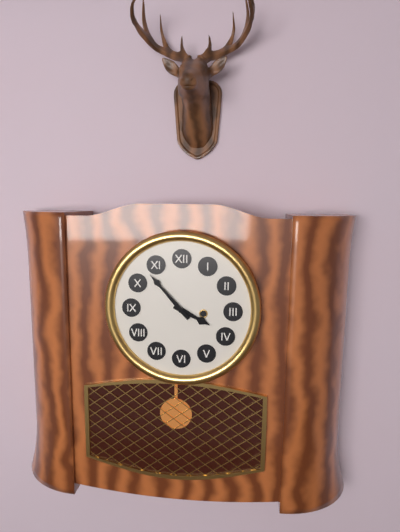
3.53
